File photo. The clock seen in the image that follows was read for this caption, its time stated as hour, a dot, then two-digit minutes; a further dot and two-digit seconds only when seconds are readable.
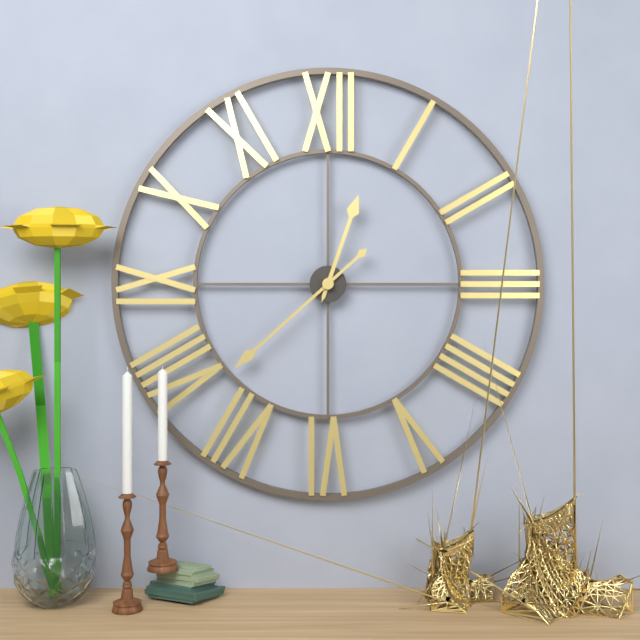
12.38
